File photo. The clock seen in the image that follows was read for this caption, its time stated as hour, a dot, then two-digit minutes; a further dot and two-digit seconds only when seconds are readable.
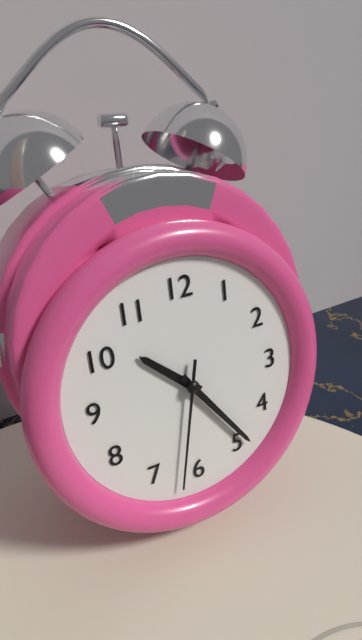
10.24.32
